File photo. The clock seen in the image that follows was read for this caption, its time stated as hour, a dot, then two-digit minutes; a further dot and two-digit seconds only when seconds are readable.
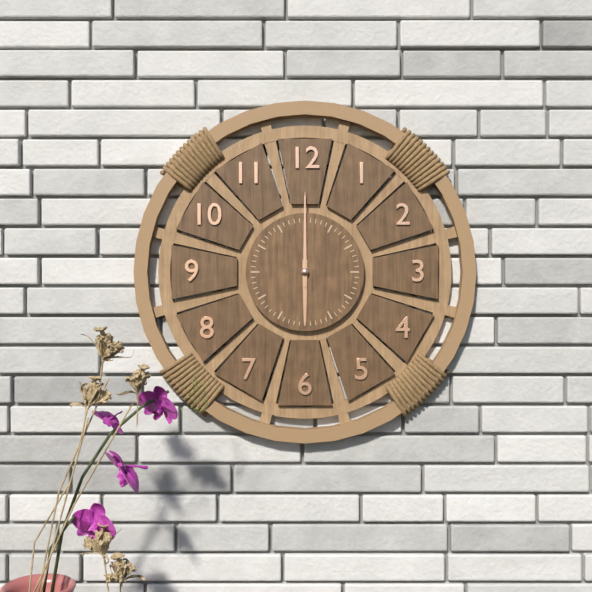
6.00
